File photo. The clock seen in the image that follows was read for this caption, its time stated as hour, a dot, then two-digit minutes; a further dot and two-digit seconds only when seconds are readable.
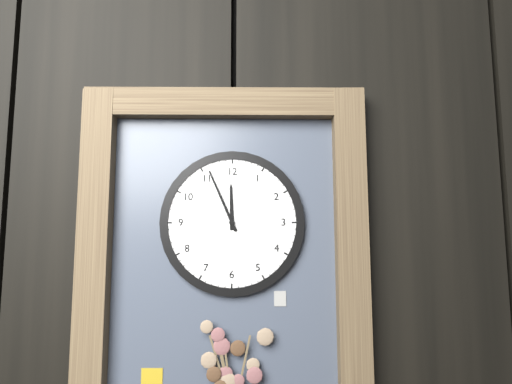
11.56
